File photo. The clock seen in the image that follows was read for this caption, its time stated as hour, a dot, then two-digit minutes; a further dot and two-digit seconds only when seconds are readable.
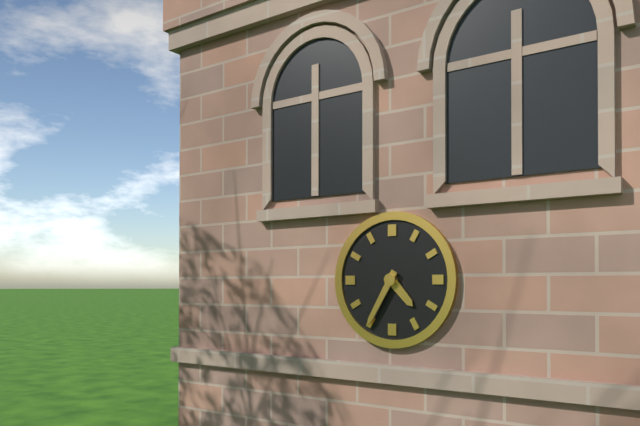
4.35
